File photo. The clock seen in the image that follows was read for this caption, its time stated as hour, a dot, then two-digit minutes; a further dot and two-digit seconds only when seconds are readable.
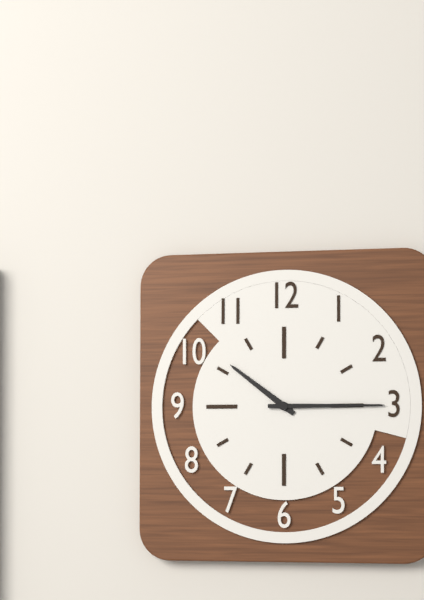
10.15
